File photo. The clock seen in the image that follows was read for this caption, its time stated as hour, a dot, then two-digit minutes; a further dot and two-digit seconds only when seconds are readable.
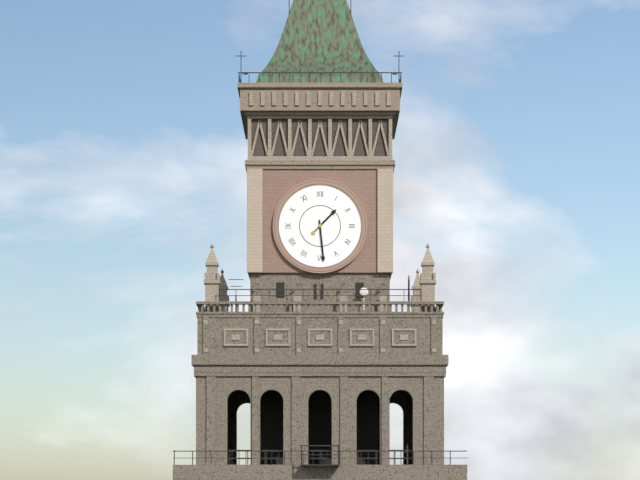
1.29
